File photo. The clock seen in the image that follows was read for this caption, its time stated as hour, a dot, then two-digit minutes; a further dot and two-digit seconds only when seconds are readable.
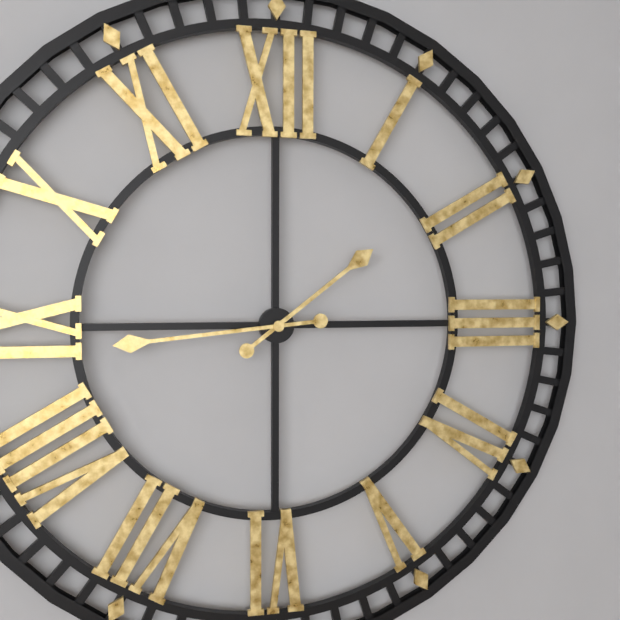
1.44
